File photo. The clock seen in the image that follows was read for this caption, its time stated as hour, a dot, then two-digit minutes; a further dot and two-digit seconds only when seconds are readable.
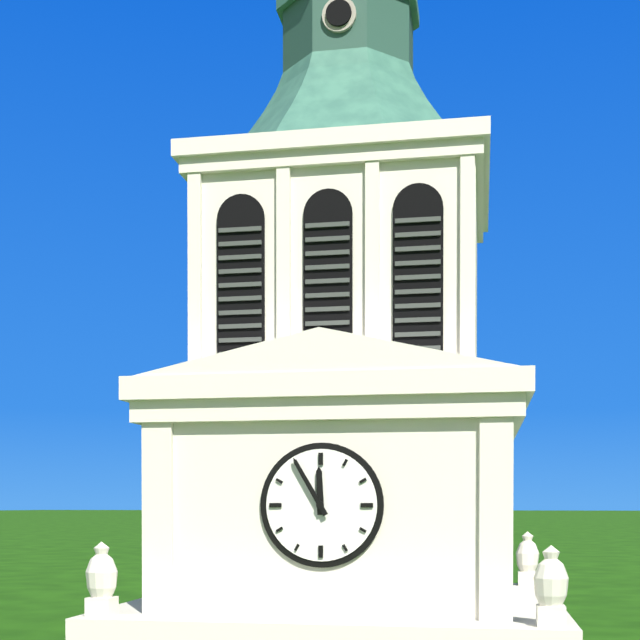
11.55
